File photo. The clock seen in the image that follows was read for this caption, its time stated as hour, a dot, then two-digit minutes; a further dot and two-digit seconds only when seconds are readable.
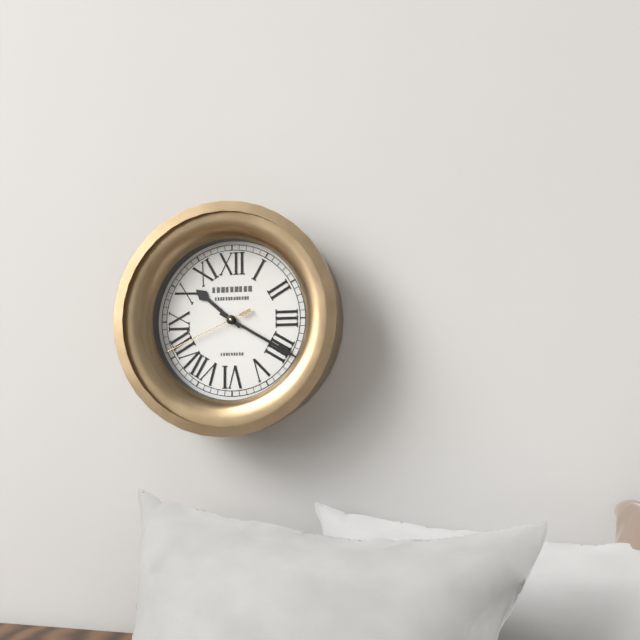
10.20.41
